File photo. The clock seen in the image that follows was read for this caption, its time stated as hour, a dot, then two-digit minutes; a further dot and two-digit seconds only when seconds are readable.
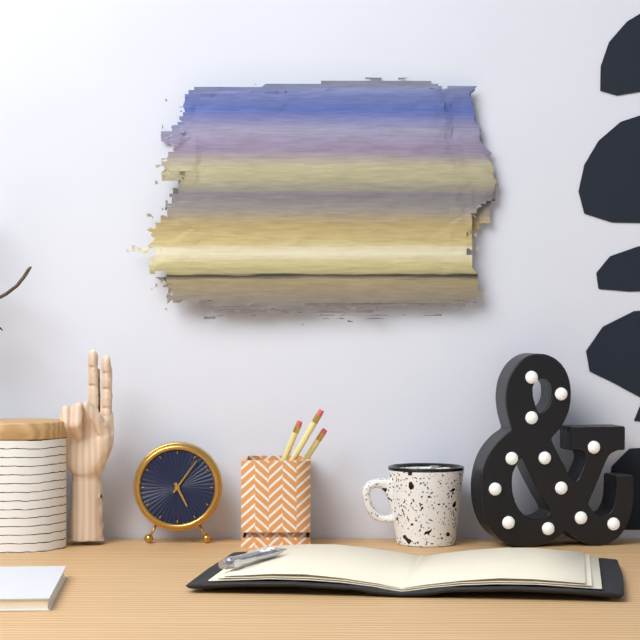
5.06
